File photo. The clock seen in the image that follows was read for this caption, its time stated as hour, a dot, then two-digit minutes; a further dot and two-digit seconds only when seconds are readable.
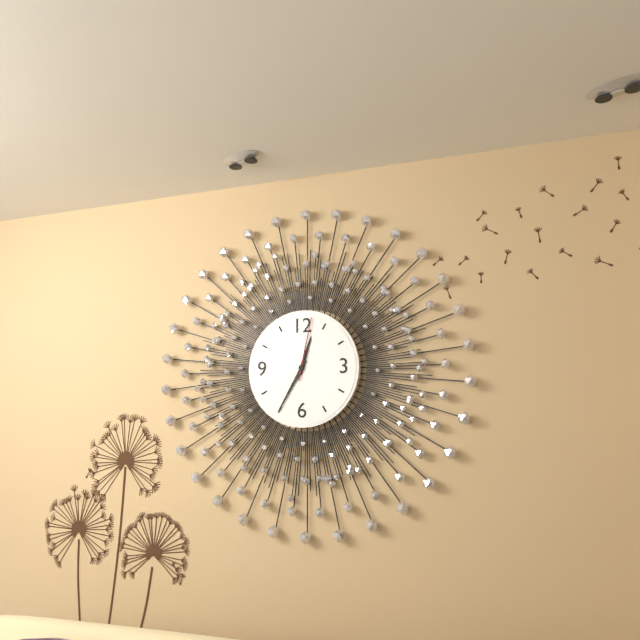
12.35.02
